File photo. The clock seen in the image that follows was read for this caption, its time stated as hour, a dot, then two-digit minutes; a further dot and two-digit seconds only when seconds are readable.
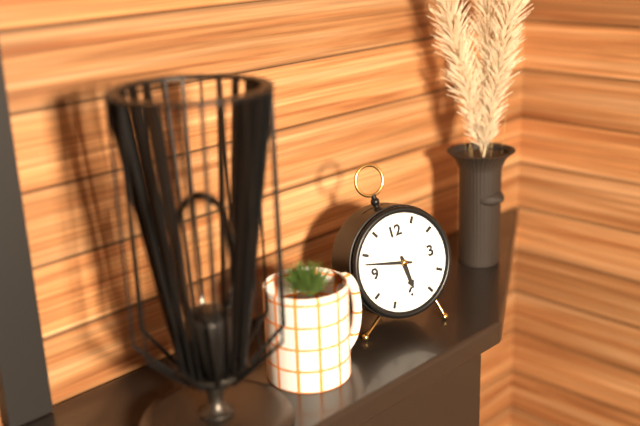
5.48
